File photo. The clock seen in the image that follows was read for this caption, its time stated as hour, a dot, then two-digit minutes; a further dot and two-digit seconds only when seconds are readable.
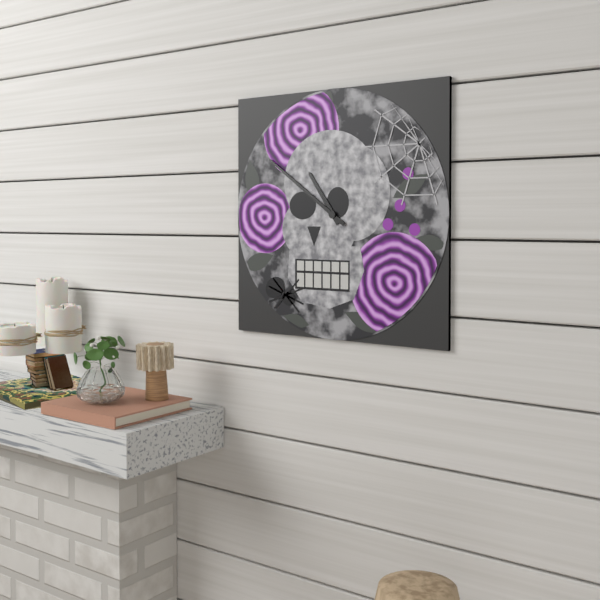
10.51
